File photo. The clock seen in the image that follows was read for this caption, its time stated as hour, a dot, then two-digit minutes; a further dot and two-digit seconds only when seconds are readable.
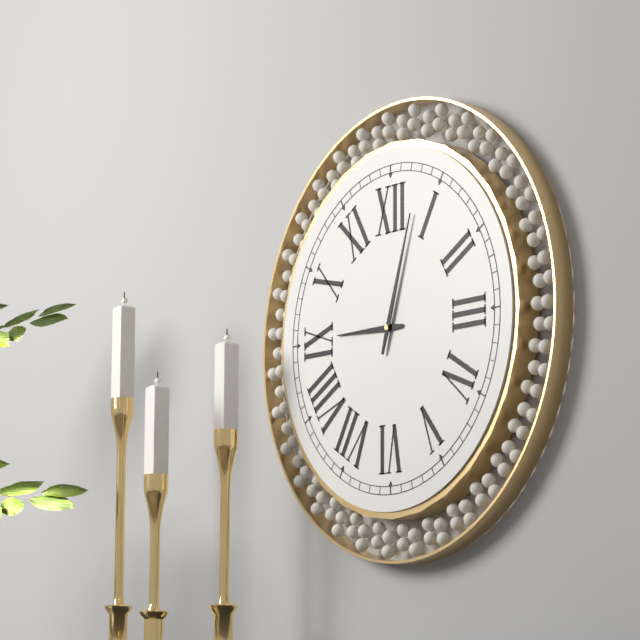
9.03
